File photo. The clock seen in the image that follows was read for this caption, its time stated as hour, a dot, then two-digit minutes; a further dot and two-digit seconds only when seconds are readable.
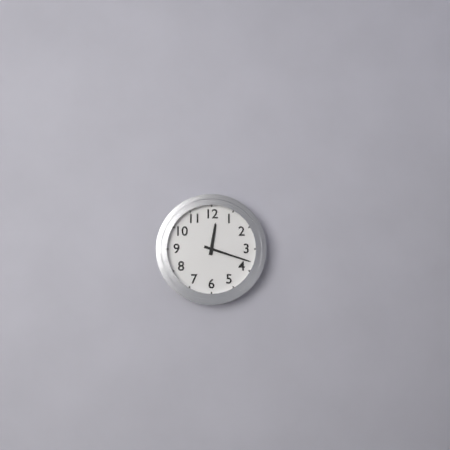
12.18
